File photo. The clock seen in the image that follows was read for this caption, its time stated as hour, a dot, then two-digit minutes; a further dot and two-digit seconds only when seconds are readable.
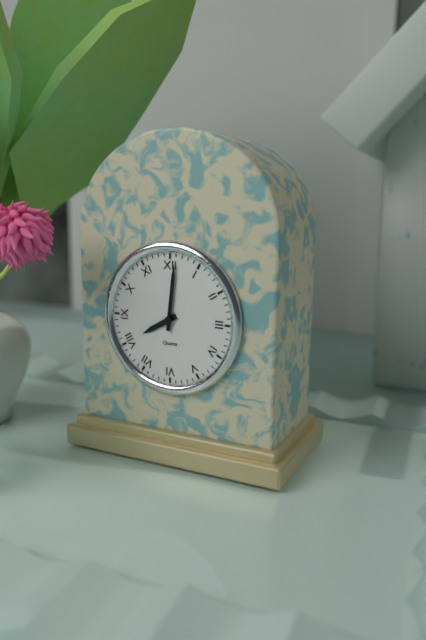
8.01
